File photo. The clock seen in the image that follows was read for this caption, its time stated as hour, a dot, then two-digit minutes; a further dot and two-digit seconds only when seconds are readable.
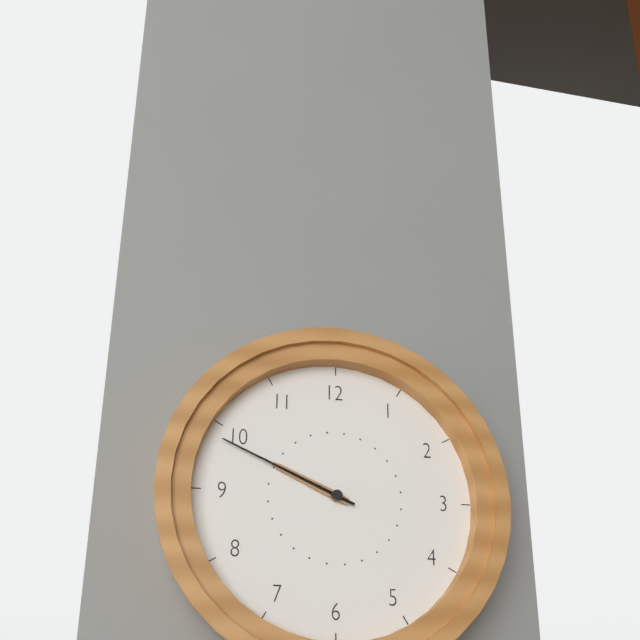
9.49
